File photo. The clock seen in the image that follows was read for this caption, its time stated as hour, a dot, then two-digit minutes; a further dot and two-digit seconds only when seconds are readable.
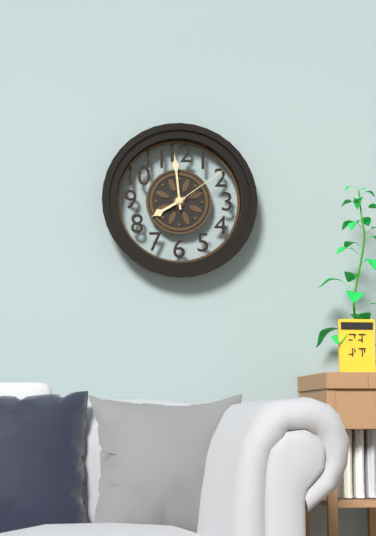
7.59.09
